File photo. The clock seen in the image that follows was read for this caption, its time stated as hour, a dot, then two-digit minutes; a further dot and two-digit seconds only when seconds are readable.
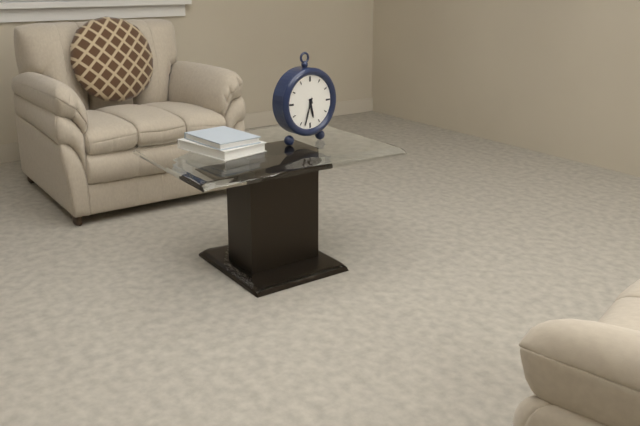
5.33
